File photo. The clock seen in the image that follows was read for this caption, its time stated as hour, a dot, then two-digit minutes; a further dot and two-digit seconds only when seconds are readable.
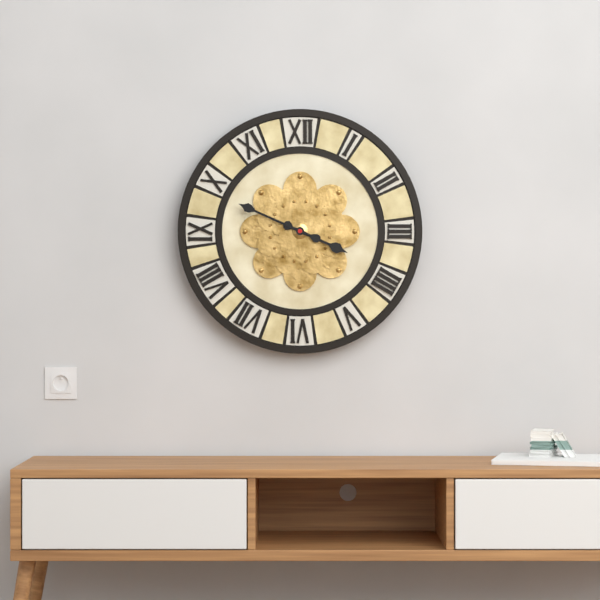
3.49
